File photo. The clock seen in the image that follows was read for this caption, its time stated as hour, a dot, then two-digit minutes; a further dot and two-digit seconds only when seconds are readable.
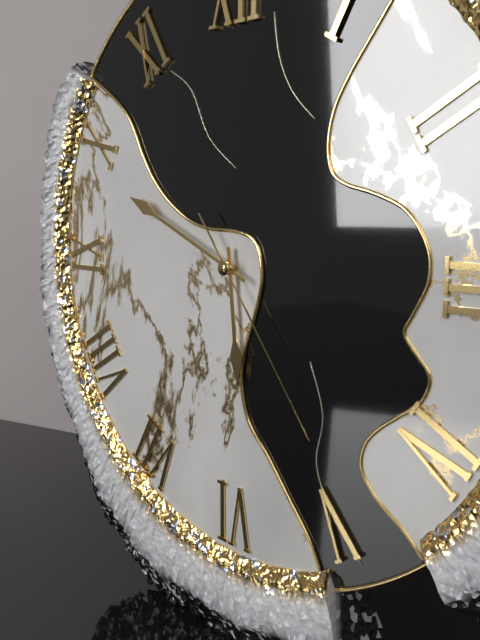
5.49.24
